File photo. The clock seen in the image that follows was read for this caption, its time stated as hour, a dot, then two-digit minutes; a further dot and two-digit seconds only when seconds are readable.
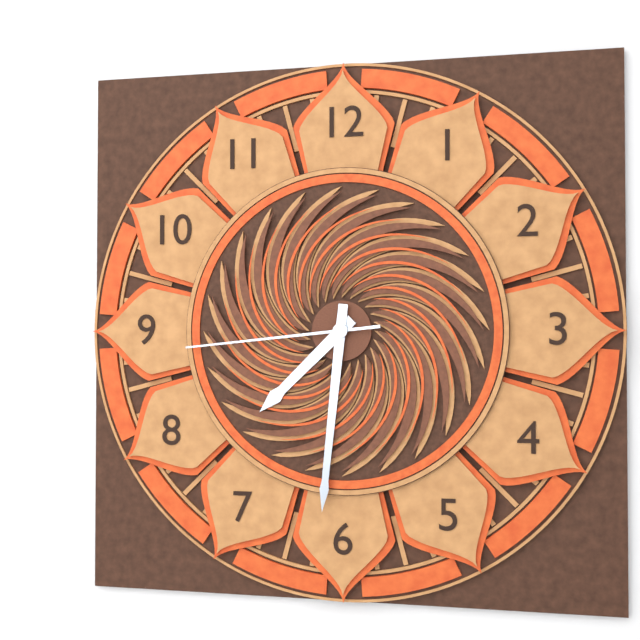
7.31.44
